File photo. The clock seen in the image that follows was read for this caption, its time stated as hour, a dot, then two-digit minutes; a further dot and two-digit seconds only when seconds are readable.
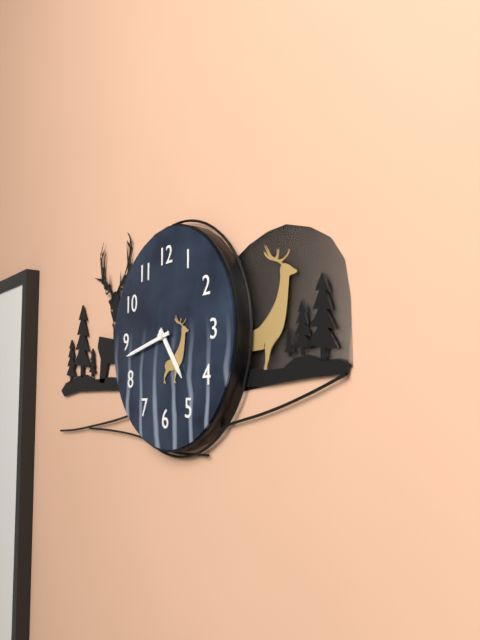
4.43
